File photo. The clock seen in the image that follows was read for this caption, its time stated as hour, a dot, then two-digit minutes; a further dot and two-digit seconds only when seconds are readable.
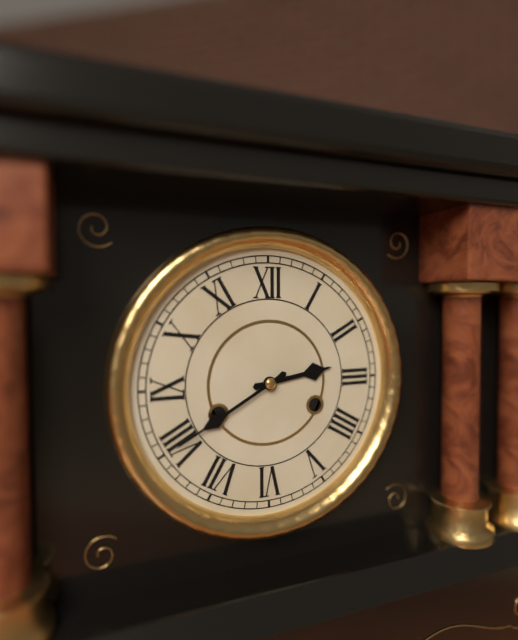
2.40
